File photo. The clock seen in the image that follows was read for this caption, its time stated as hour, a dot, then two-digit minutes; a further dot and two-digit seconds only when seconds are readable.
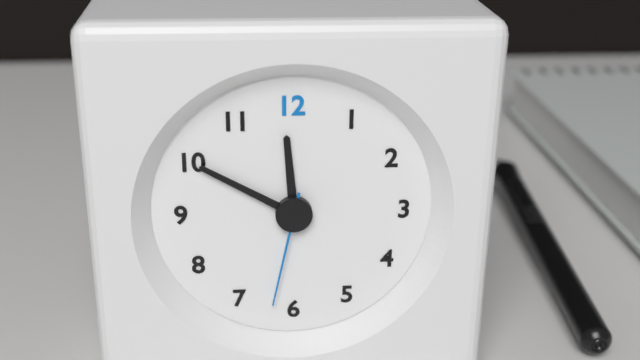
11.50.32
